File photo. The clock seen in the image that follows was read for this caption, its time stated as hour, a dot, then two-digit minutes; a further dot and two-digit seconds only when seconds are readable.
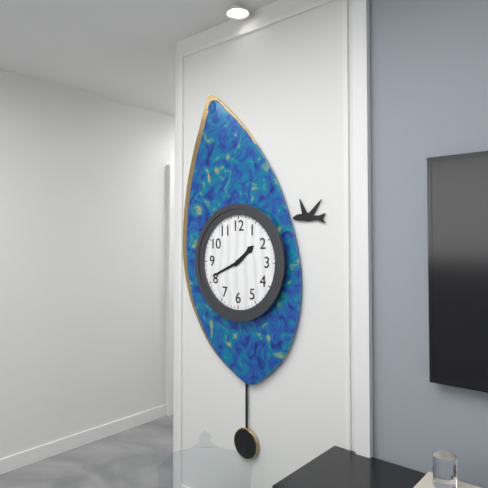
1.41
